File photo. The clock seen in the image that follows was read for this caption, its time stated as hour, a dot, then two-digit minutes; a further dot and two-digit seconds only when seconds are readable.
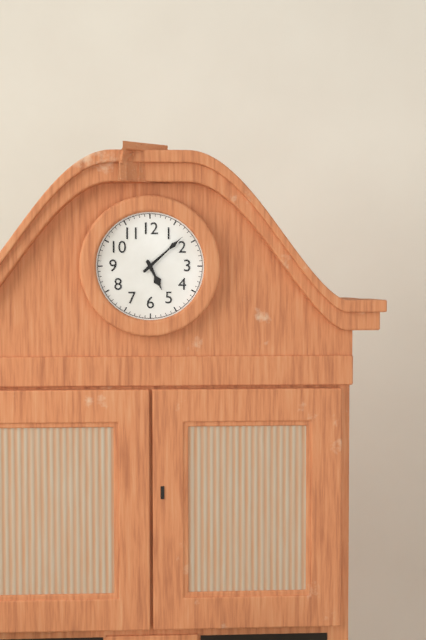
5.08
